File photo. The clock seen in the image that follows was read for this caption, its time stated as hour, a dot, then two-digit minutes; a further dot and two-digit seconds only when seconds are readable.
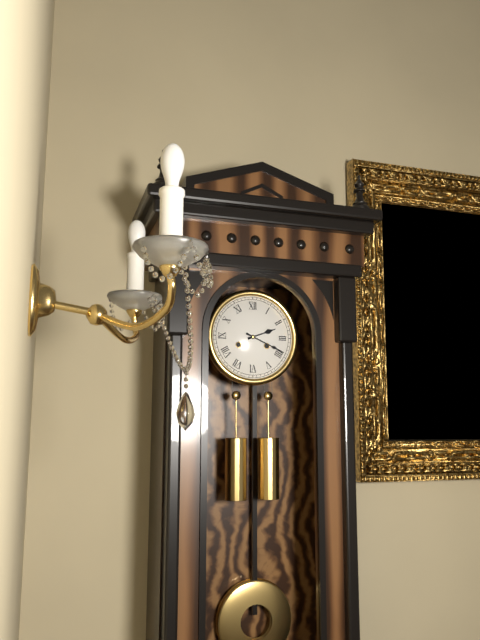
2.19
